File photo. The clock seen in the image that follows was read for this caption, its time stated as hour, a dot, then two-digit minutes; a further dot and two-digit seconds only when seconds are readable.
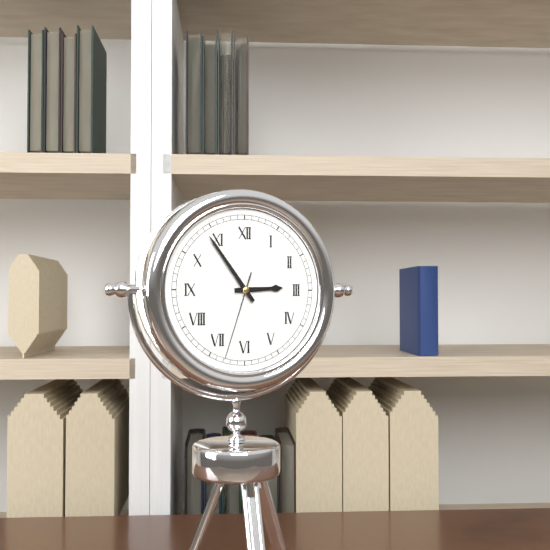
2.54.33
